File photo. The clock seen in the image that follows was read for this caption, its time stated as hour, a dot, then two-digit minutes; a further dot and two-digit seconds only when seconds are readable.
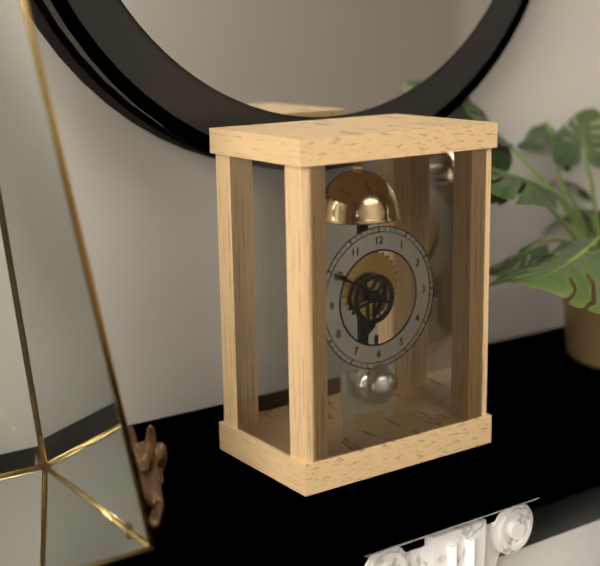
6.50
